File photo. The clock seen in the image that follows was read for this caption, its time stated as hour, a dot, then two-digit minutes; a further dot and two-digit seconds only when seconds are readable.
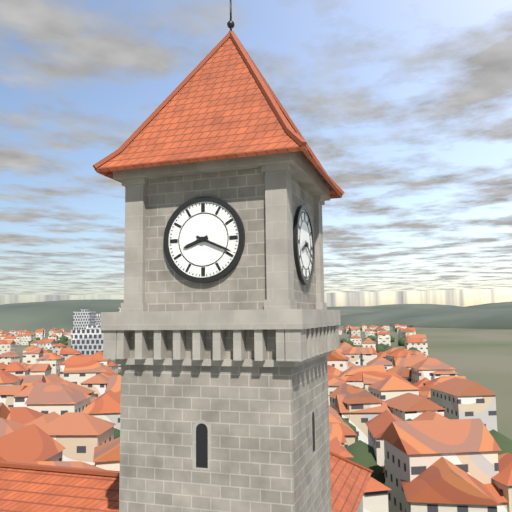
8.19
